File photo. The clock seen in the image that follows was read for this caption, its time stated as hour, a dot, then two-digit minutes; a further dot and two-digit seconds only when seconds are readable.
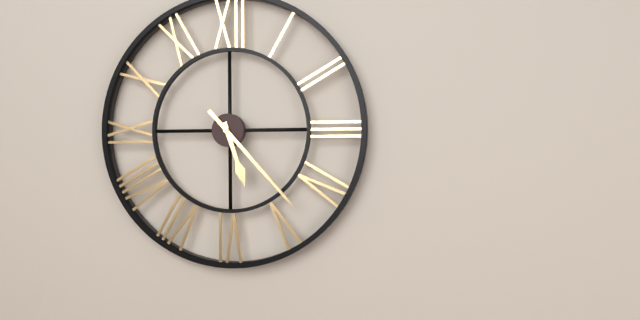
5.23
